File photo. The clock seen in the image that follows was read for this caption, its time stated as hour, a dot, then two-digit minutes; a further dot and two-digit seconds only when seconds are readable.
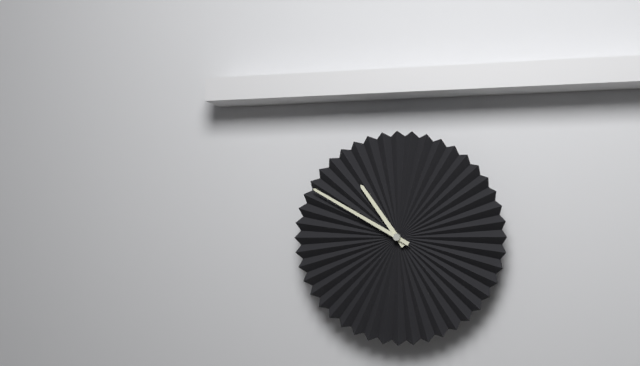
10.50
